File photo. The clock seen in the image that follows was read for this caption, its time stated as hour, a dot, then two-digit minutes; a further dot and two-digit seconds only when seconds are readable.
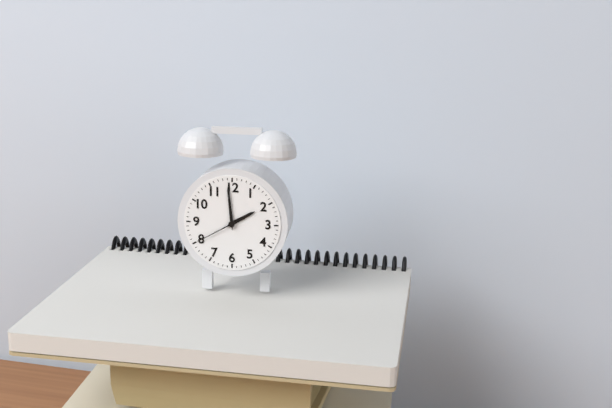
1.59.40
